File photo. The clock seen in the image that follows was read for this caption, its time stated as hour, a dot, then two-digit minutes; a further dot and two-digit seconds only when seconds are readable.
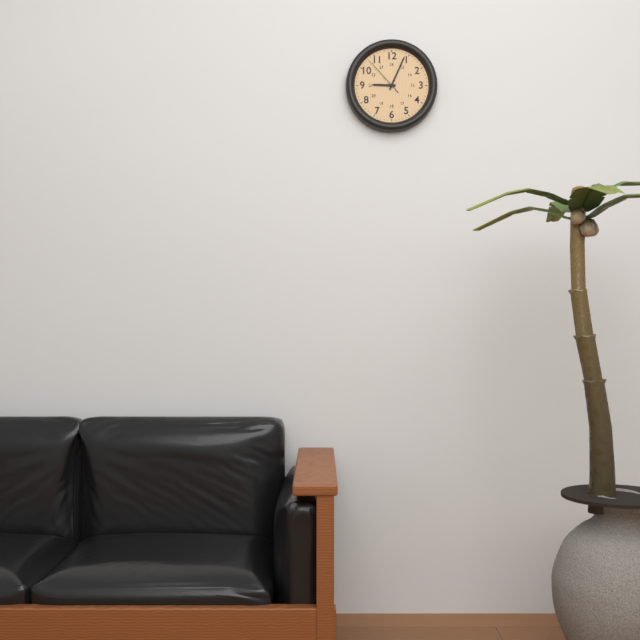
9.04
